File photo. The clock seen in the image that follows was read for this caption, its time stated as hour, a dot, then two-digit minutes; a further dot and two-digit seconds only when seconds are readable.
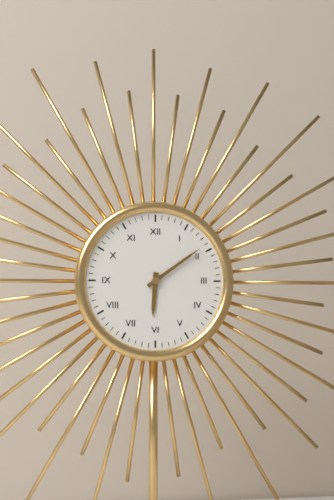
6.09
